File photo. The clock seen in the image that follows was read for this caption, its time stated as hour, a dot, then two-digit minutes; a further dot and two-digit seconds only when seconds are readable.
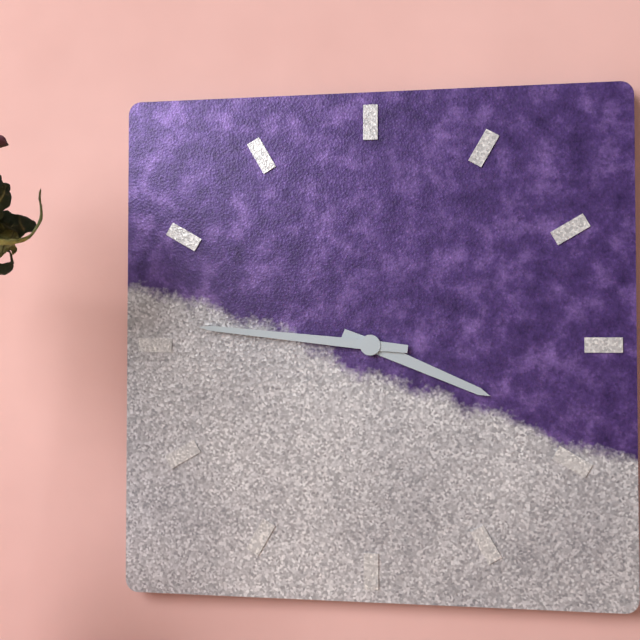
3.46
